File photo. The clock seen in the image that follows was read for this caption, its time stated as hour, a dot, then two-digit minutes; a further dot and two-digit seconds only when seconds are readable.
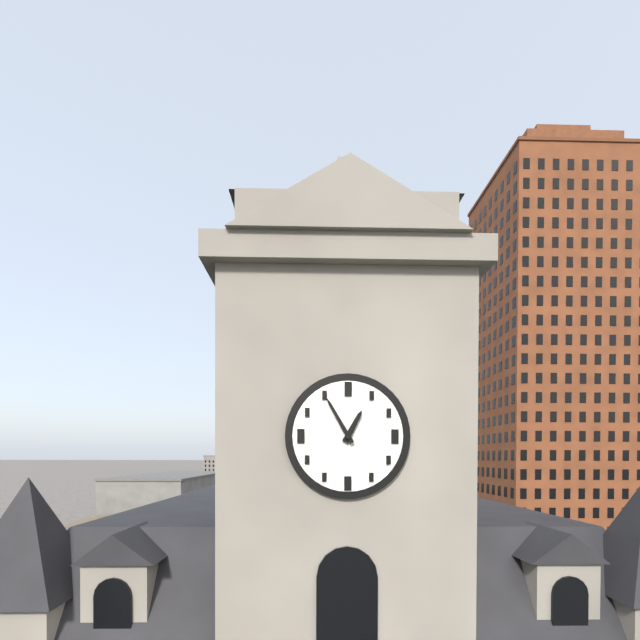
12.55
